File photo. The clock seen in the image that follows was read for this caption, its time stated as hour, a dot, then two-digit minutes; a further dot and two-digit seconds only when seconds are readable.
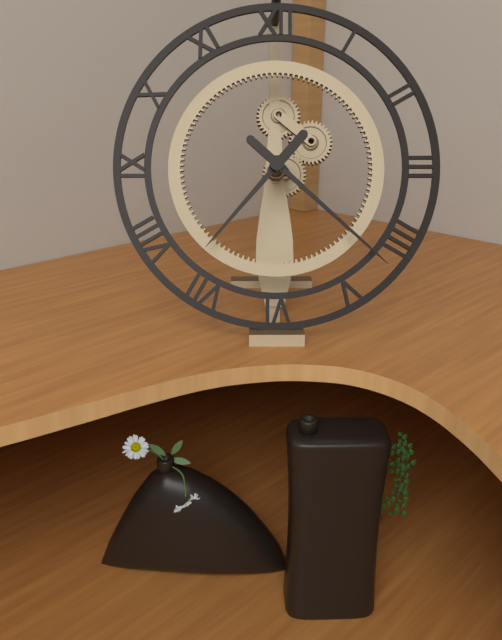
7.22
